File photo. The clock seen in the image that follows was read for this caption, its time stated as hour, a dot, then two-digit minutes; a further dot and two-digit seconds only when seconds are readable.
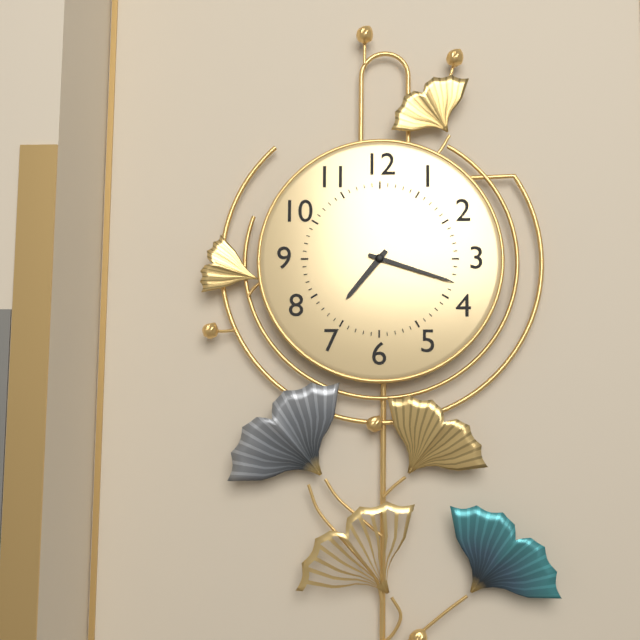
7.18
